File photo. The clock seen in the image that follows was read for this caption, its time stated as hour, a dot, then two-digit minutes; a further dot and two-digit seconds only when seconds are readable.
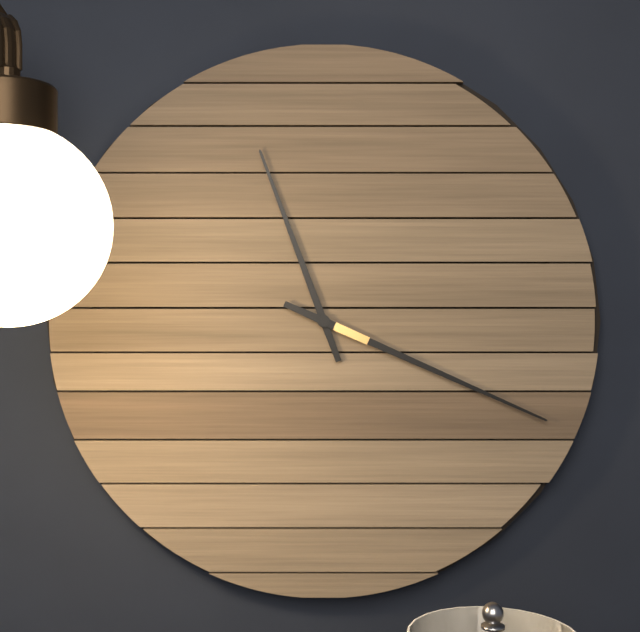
11.19
